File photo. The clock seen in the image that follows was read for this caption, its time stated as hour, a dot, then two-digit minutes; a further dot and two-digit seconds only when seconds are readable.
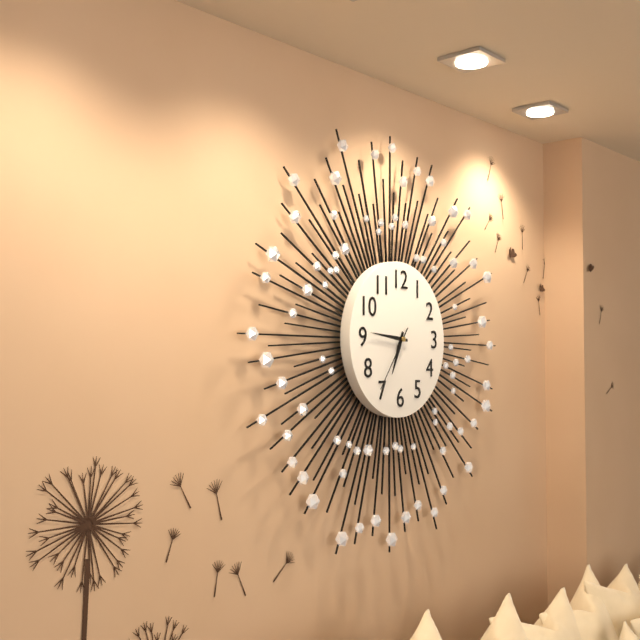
6.46.36
